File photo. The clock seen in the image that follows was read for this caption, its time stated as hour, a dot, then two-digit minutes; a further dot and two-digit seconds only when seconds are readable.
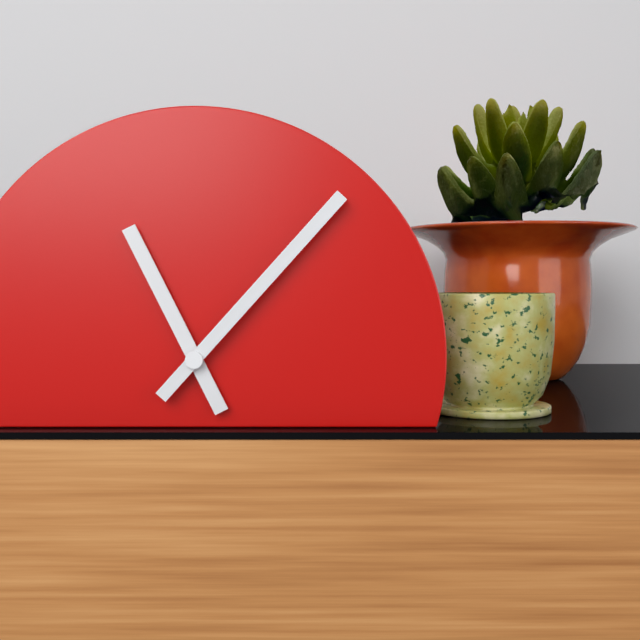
11.07
